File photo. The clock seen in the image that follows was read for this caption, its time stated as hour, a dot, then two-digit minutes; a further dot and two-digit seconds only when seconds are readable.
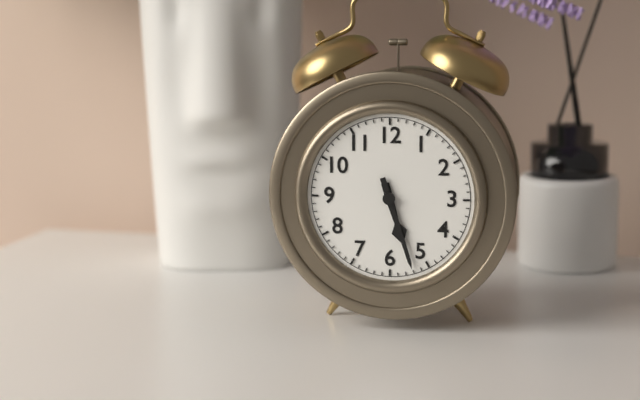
5.27
